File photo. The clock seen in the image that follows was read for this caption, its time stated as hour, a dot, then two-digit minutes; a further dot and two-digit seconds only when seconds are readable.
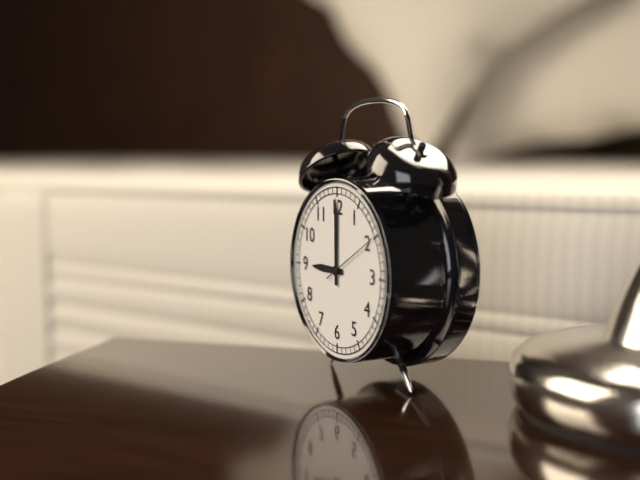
9.00.10
